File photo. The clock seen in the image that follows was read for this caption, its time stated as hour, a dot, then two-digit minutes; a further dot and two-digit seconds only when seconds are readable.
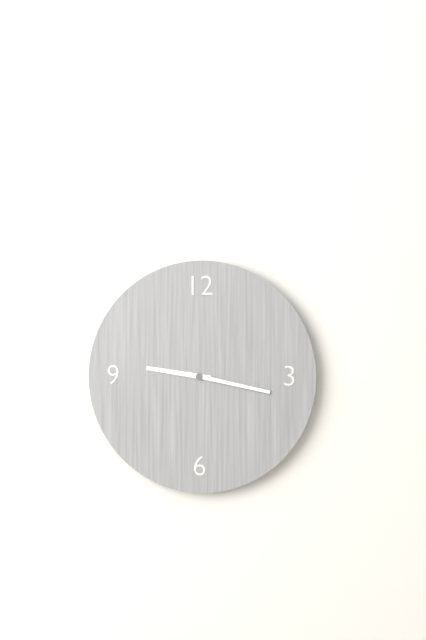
9.17
